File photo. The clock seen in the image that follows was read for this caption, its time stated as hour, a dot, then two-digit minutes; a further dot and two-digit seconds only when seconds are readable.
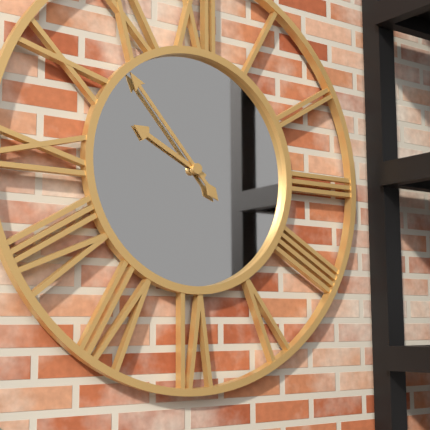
9.53
